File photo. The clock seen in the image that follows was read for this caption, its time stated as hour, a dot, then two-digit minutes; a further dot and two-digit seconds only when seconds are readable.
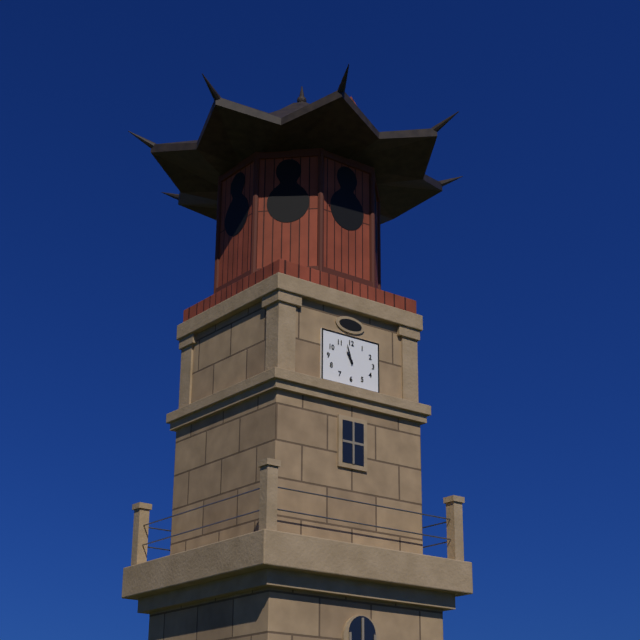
10.57
